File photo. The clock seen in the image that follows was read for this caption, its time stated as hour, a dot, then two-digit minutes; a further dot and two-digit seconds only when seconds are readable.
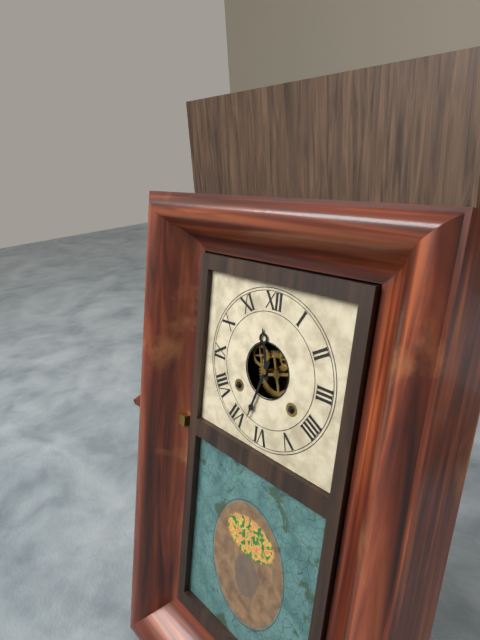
11.33
